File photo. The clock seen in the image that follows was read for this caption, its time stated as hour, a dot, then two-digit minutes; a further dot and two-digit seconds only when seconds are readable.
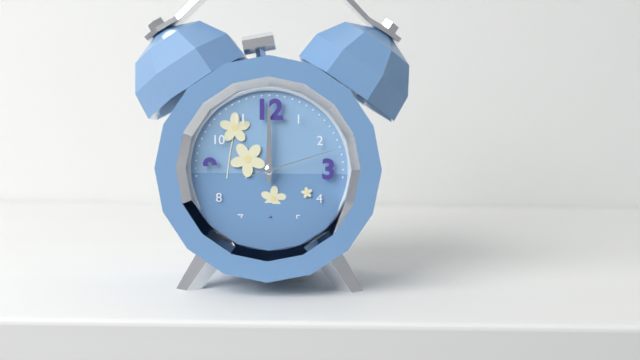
12.00.12
